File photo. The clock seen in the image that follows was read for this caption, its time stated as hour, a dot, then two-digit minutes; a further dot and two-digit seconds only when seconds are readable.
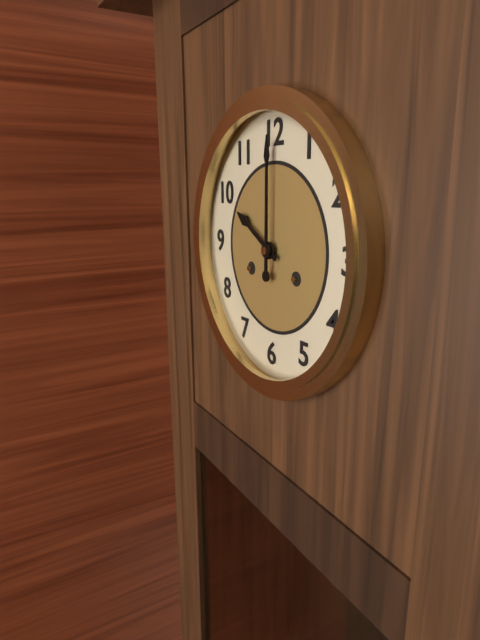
10.00
